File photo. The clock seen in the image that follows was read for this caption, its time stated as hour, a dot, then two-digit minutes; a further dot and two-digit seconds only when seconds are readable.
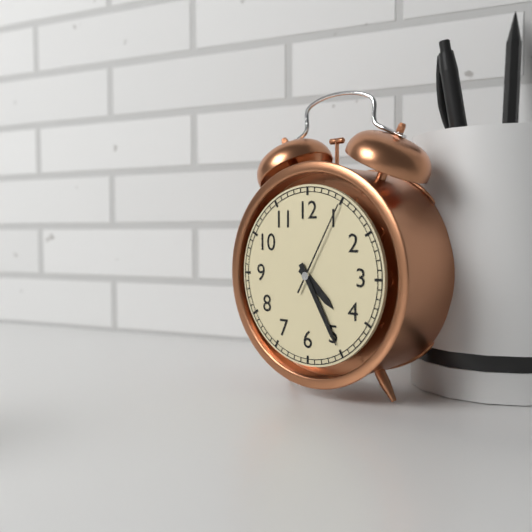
4.25.05
